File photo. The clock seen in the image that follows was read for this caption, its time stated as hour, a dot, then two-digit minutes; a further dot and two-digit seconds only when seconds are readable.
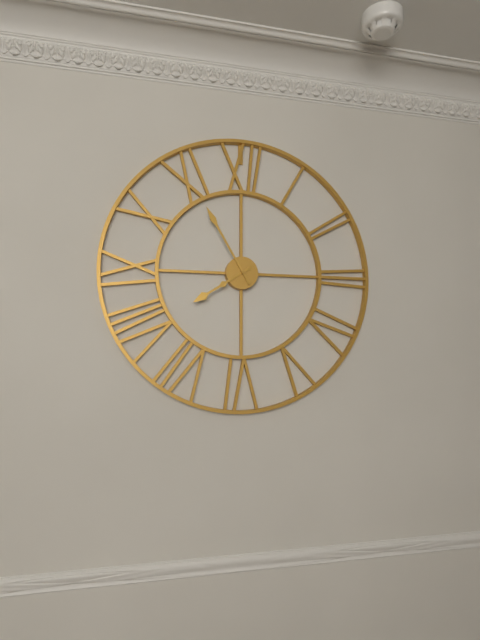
7.55
